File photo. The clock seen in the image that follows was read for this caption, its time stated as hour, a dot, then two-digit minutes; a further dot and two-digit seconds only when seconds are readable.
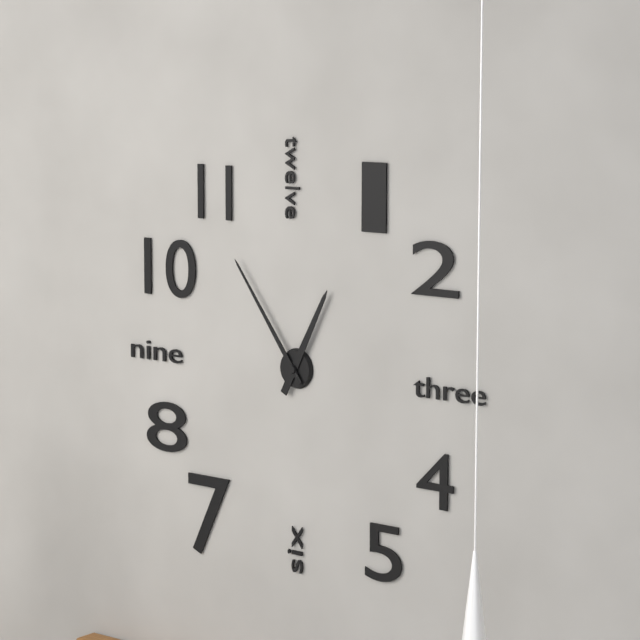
12.54
